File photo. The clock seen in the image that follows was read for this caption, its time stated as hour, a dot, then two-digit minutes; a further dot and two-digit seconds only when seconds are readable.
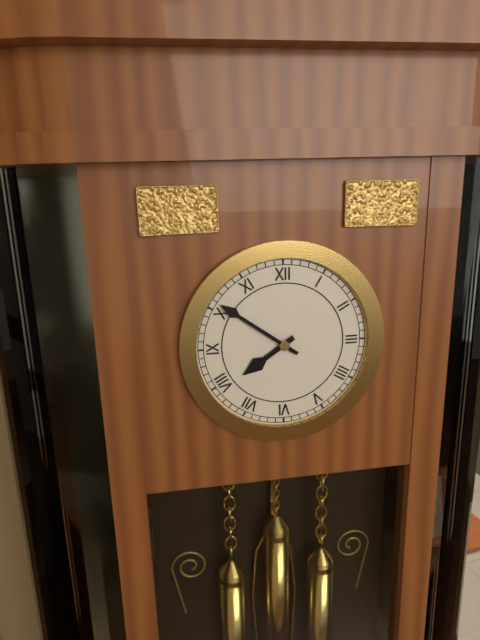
7.51
